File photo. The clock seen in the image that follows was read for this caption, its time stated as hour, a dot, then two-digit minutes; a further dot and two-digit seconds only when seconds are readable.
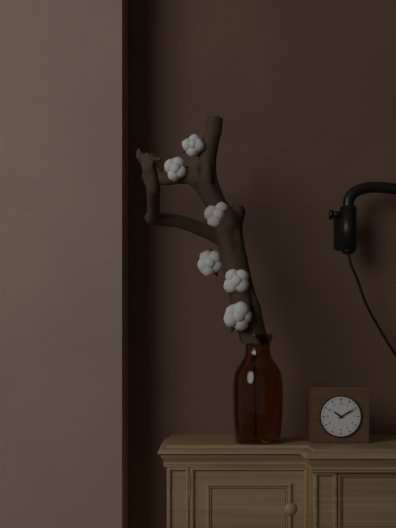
10.10
